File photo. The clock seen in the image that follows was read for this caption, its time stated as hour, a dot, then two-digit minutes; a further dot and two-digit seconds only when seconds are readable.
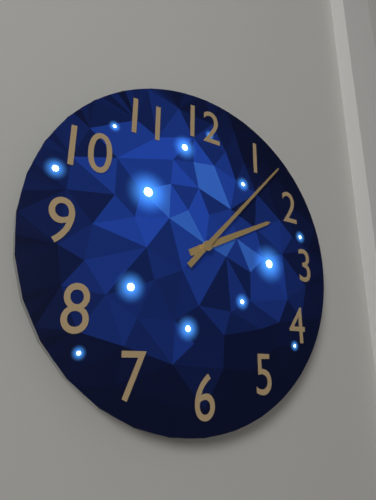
2.07
